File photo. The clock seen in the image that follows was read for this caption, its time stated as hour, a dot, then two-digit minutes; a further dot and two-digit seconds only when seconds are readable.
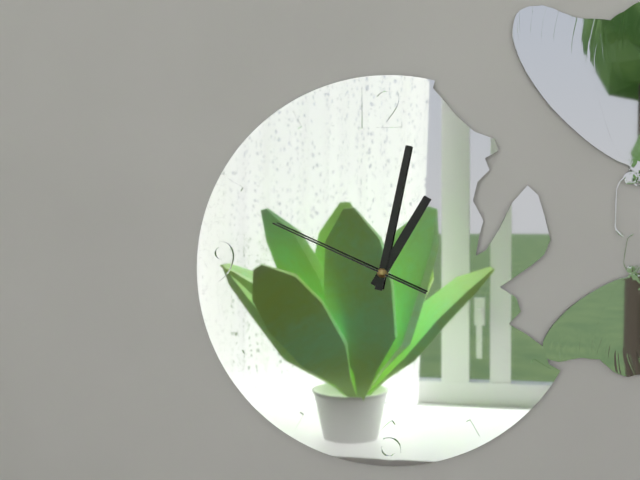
1.02.49
